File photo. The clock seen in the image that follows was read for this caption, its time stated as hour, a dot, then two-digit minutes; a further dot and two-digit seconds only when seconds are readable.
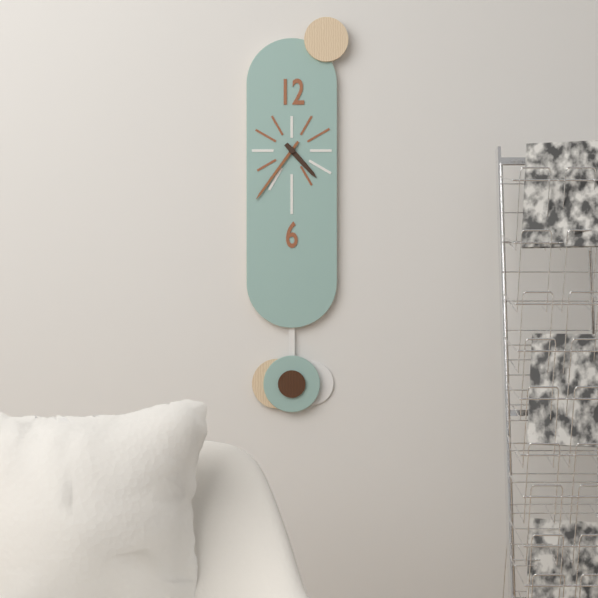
4.36
